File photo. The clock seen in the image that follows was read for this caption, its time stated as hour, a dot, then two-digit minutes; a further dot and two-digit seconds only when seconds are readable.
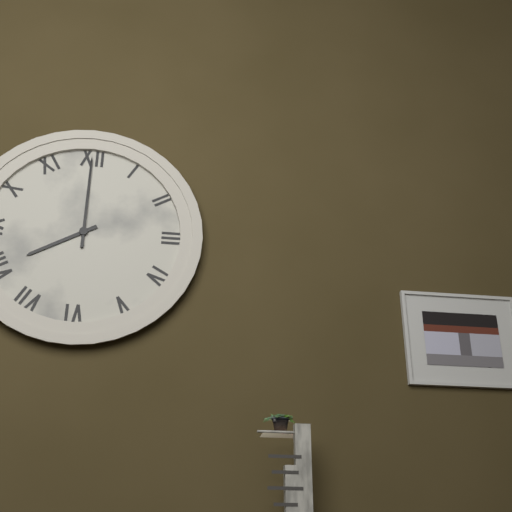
8.00
